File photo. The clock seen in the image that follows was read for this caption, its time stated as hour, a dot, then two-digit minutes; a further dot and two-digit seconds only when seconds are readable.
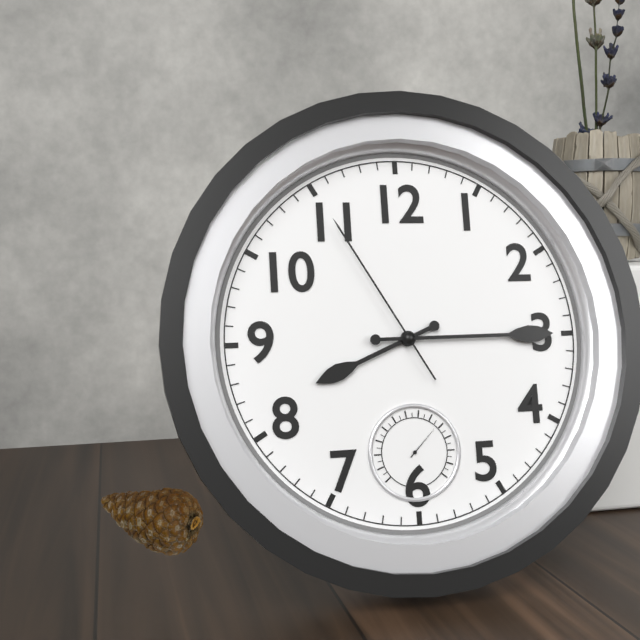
8.15.55
